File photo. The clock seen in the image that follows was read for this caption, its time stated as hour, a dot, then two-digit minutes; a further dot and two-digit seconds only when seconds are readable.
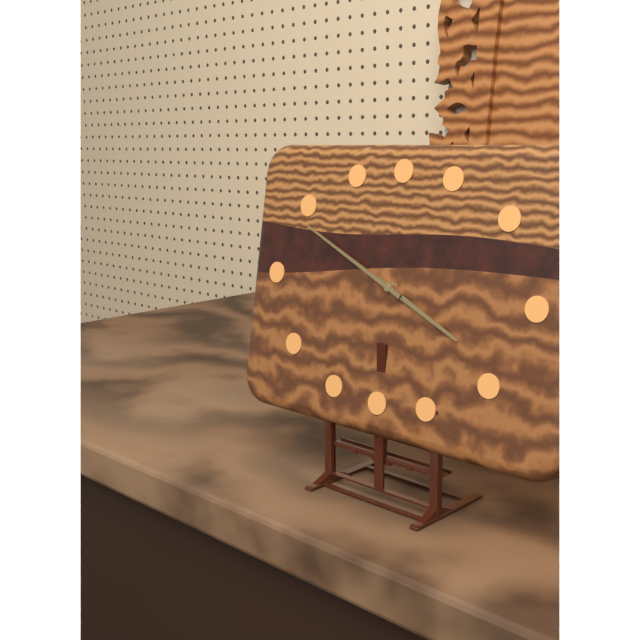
3.49
